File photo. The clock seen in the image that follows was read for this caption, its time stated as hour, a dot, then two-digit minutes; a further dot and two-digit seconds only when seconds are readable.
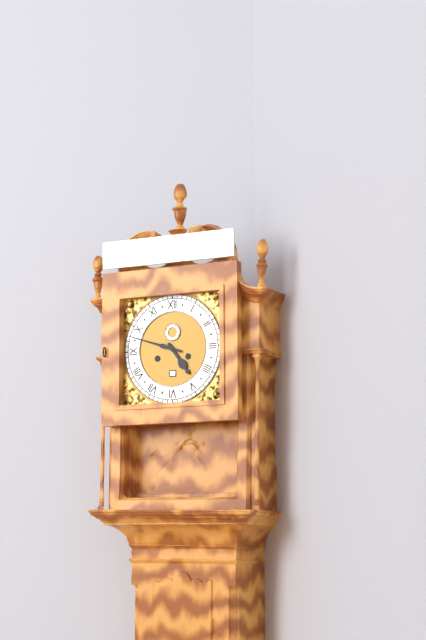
4.48
